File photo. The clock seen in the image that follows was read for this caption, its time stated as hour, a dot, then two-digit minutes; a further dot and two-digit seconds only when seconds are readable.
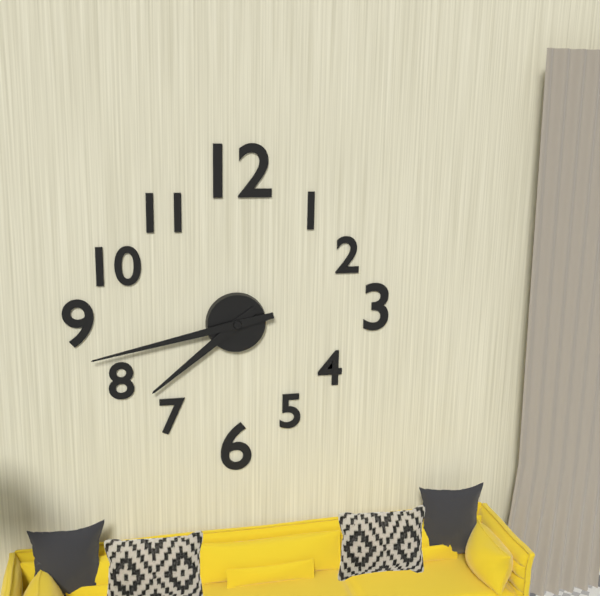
7.43
